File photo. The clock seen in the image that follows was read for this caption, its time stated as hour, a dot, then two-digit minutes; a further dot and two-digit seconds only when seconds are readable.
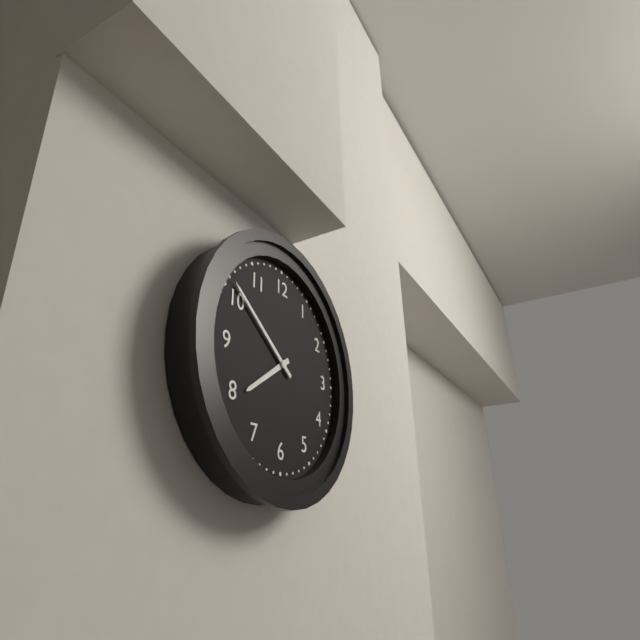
7.51
